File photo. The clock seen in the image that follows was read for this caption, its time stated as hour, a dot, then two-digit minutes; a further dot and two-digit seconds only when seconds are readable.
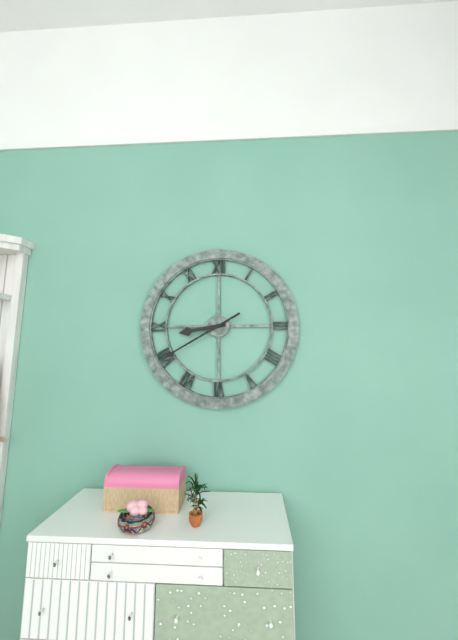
8.40
